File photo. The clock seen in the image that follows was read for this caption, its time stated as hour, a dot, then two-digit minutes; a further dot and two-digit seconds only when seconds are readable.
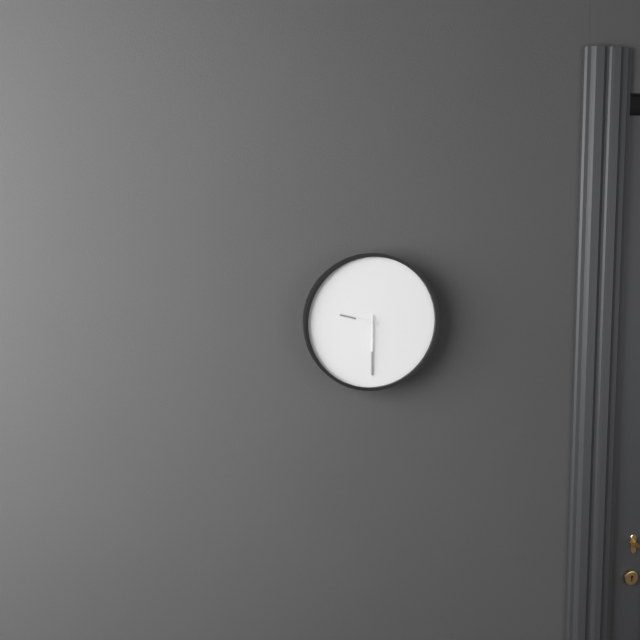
9.30
